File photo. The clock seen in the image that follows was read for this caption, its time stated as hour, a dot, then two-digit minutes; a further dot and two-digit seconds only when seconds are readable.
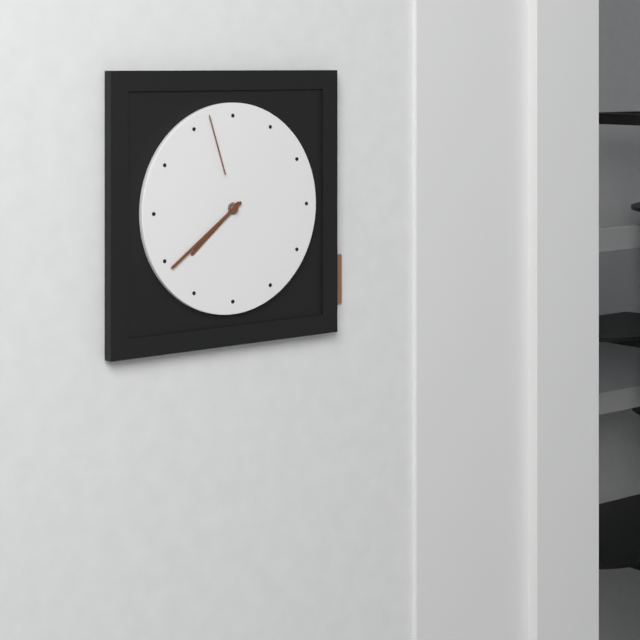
7.39.57
